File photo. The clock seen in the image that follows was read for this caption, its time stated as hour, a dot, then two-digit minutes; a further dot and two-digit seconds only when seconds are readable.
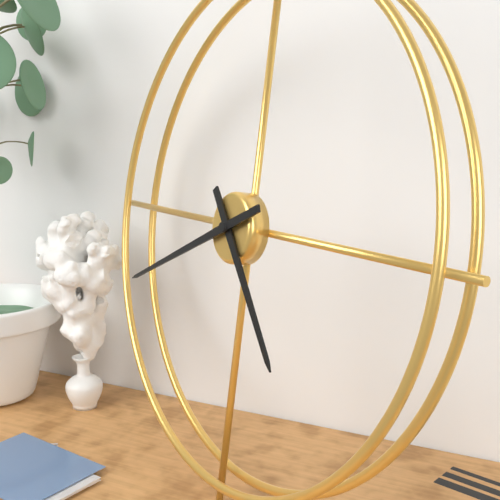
4.41
